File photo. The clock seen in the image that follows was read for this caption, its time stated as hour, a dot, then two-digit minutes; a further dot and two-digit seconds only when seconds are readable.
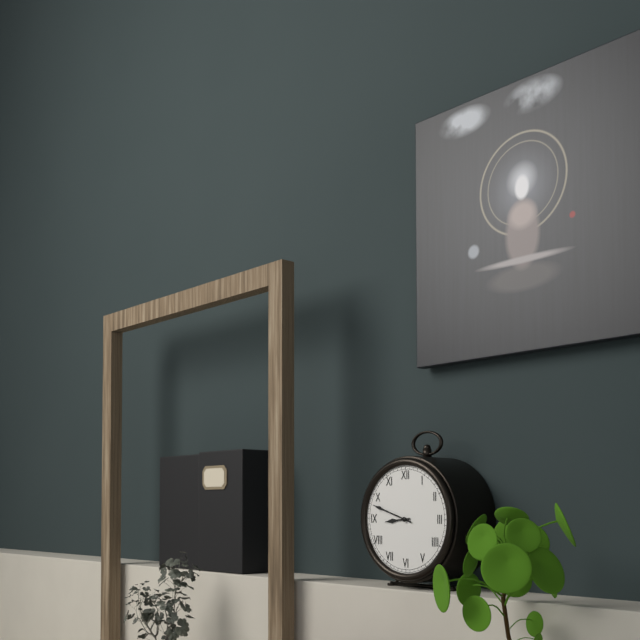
8.48
